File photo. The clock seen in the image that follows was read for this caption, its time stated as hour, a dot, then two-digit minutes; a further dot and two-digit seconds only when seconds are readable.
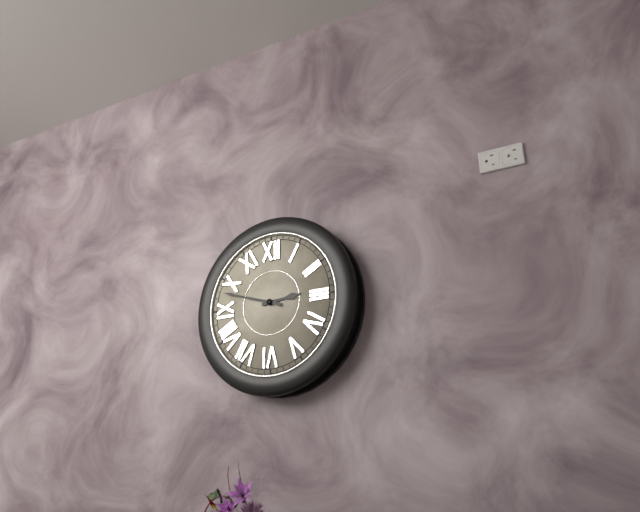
2.48
